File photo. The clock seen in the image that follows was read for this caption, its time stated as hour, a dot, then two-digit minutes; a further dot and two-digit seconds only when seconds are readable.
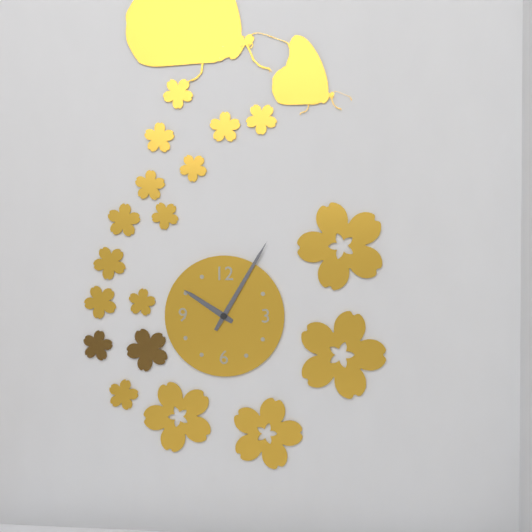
10.05
